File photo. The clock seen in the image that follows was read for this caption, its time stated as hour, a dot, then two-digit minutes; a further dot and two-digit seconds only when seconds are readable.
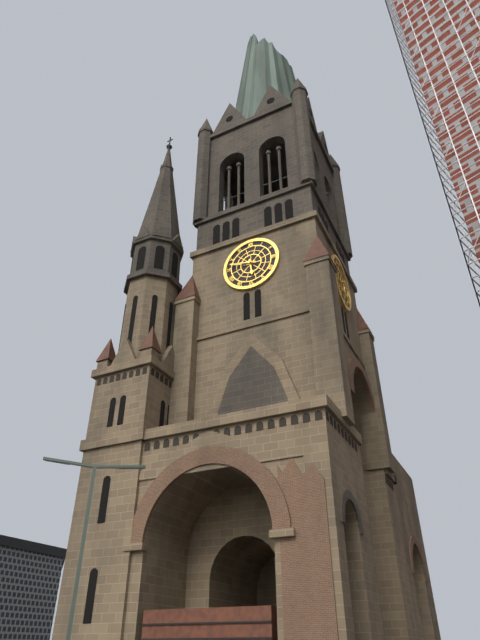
5.47
